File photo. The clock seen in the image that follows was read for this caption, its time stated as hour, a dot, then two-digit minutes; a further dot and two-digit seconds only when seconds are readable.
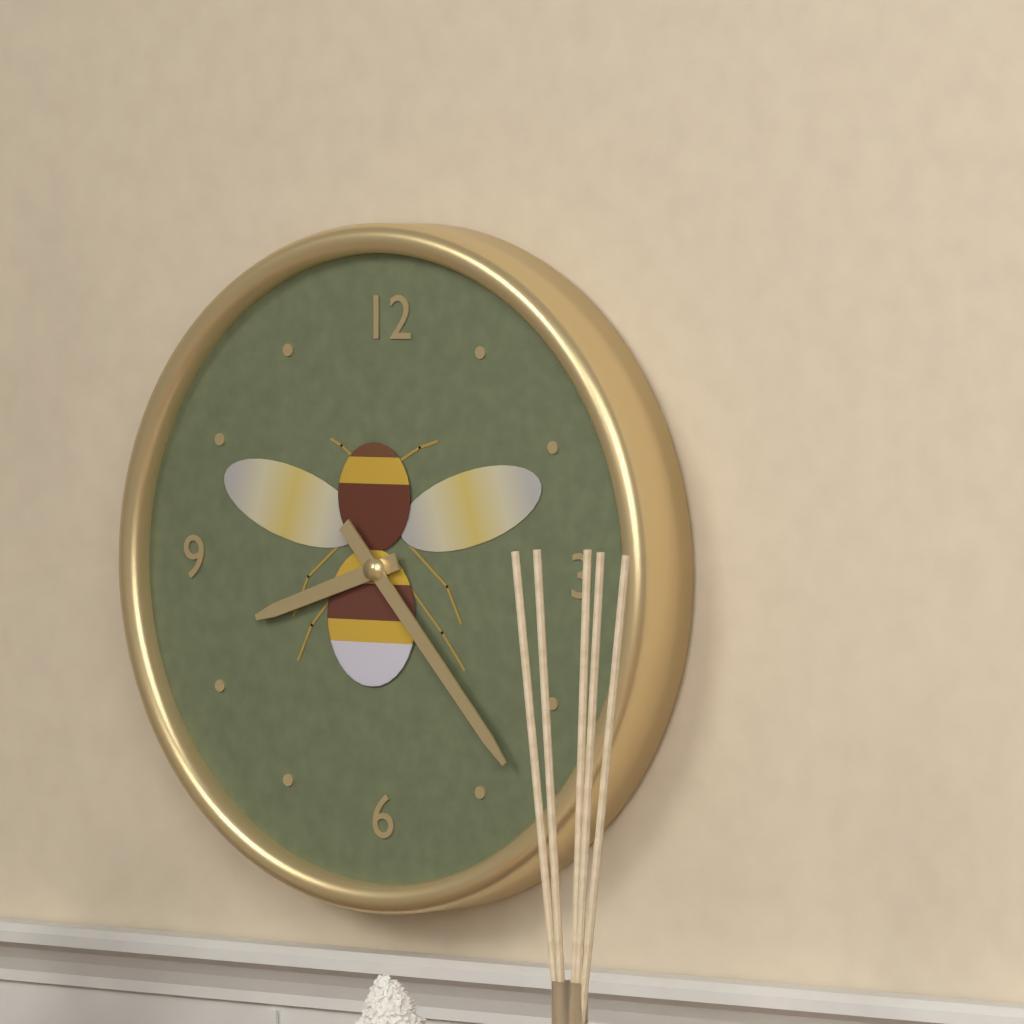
8.23
